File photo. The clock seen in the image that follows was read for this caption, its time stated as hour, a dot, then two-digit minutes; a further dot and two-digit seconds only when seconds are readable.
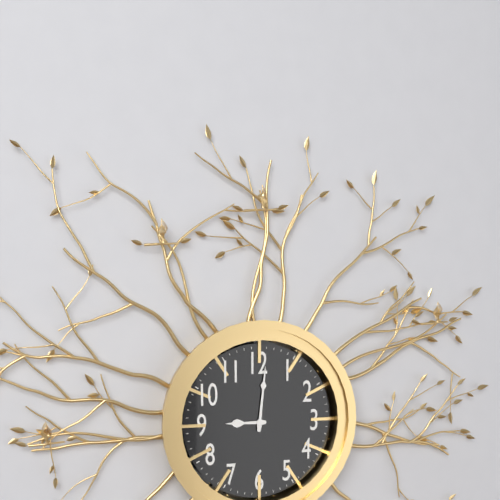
9.01
